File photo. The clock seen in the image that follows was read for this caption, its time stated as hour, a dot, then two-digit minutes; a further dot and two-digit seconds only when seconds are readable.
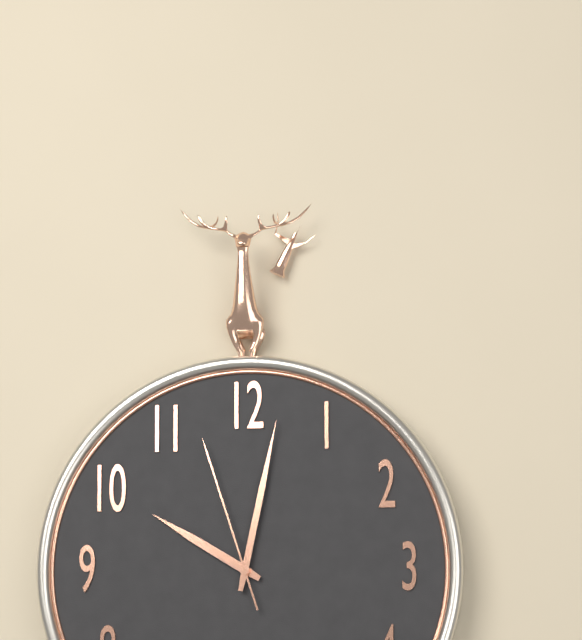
10.02.57
